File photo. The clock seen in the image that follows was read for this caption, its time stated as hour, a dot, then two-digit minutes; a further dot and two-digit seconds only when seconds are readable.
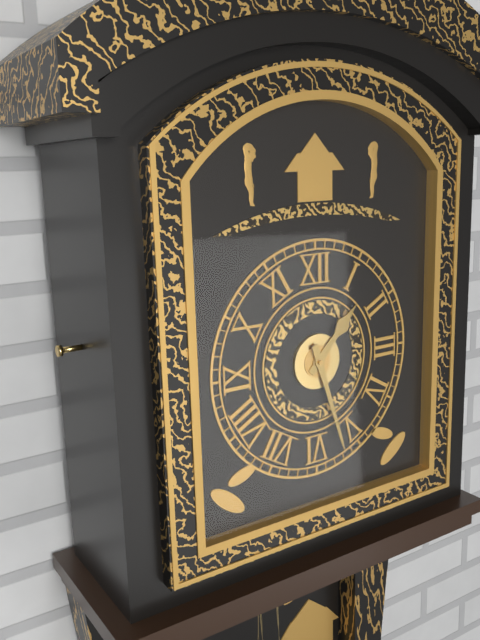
1.27
